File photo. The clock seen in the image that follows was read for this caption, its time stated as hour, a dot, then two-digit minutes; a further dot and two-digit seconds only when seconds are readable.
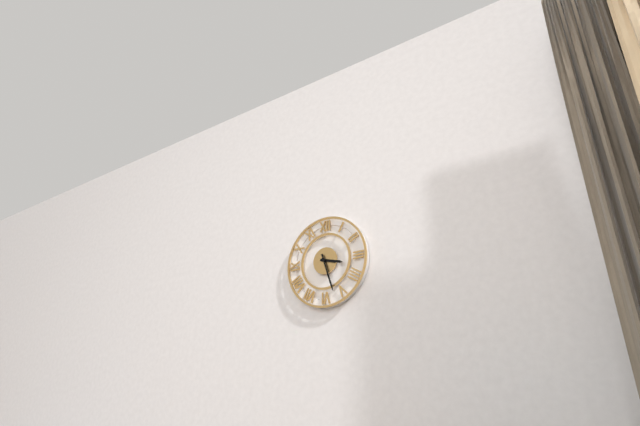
3.27
